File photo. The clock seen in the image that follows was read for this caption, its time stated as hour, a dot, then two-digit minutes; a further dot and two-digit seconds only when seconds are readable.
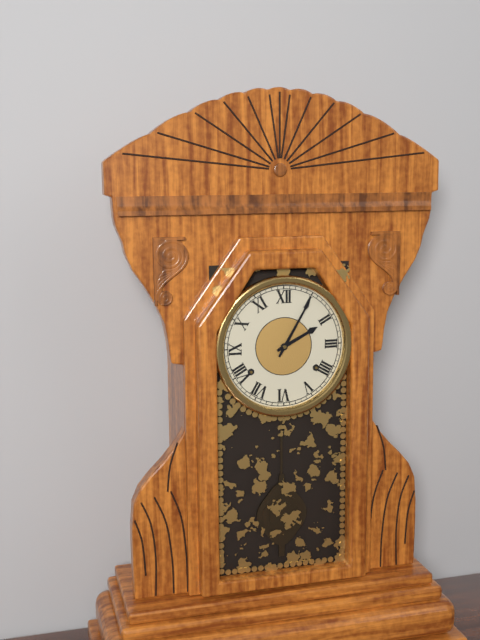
2.05
